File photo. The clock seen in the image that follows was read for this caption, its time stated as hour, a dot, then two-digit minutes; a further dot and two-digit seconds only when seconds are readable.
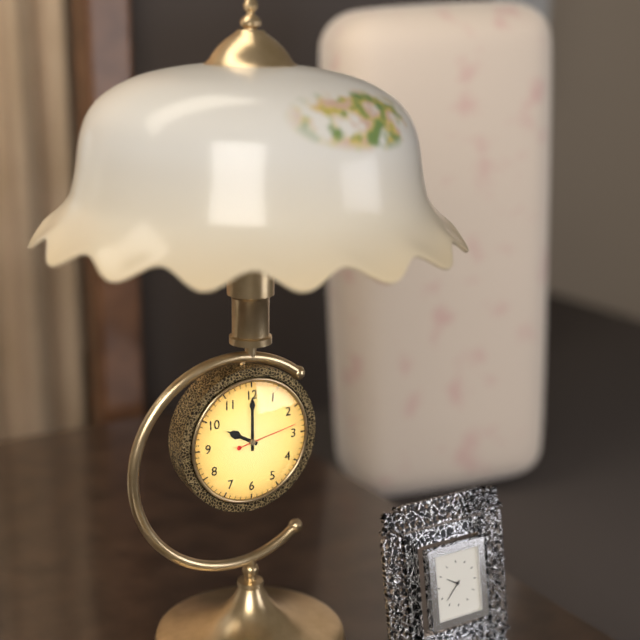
10.00.13
